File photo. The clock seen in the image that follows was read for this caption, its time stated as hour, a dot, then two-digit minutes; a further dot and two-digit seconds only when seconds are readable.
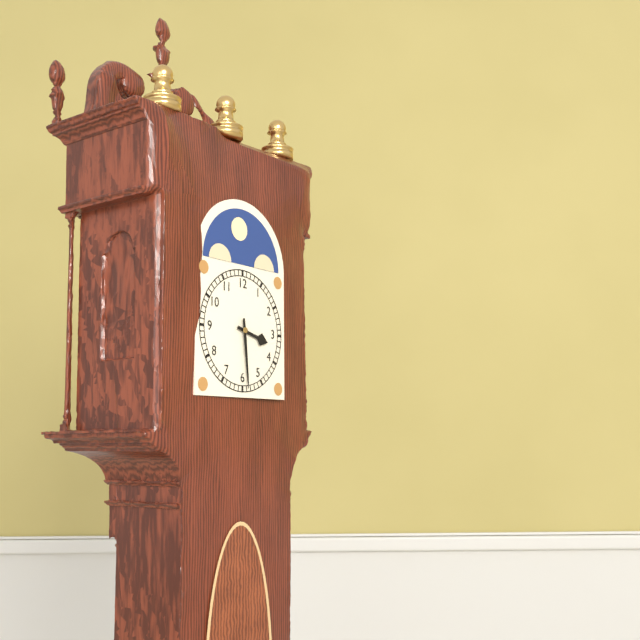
3.29
